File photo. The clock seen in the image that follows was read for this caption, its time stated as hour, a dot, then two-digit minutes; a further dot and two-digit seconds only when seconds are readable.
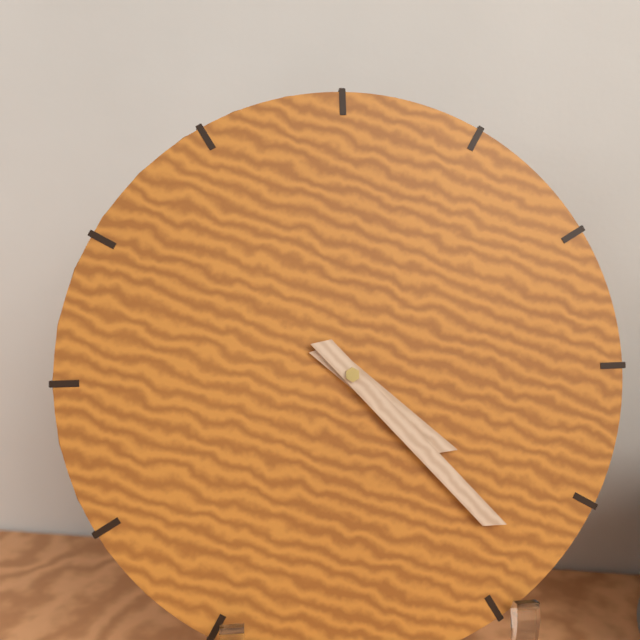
4.23
